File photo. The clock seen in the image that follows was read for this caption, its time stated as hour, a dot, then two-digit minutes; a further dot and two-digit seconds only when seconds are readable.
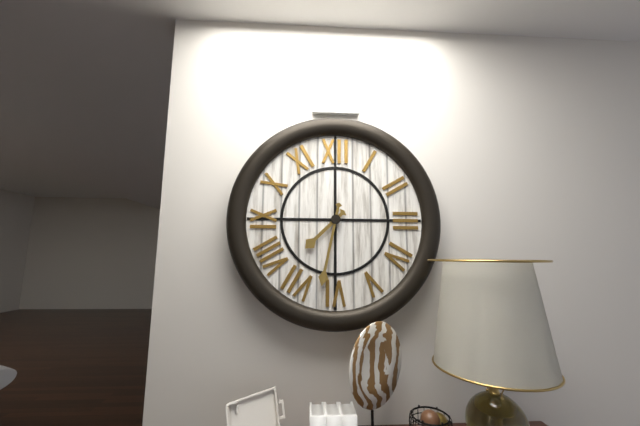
7.32
